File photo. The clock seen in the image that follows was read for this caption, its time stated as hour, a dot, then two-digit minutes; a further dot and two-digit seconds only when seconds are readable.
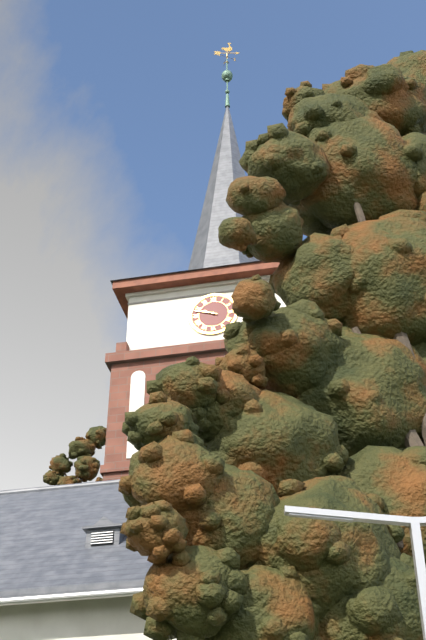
9.48
